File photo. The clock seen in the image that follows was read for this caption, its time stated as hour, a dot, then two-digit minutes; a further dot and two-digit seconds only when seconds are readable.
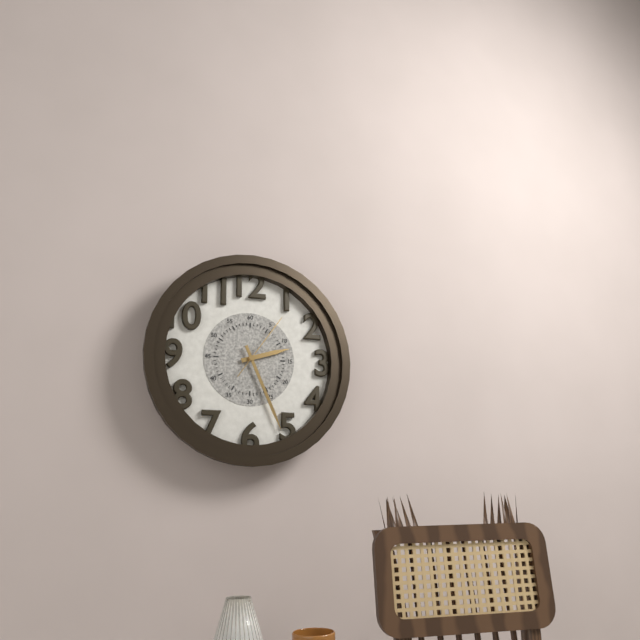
2.26.06
